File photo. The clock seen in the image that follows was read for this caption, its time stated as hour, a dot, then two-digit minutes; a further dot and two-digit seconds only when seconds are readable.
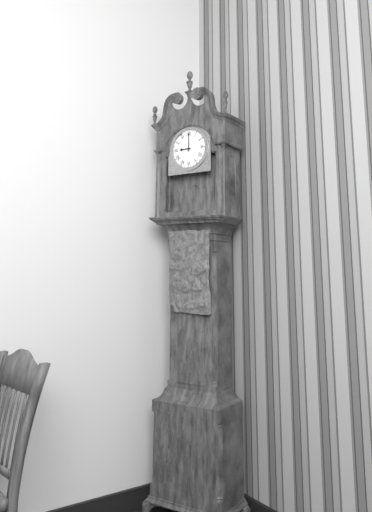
9.00
